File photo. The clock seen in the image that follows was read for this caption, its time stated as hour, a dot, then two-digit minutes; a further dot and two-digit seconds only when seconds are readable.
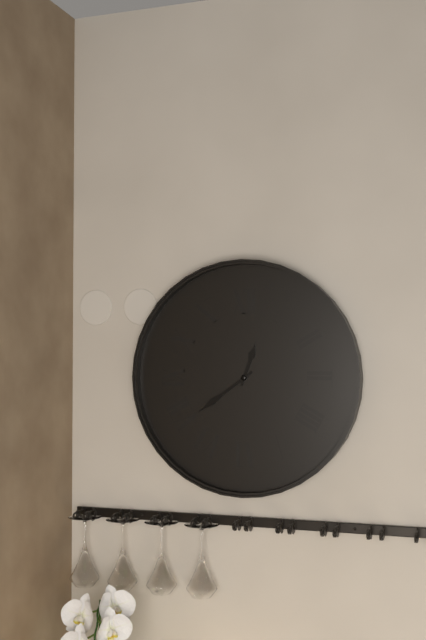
12.39
